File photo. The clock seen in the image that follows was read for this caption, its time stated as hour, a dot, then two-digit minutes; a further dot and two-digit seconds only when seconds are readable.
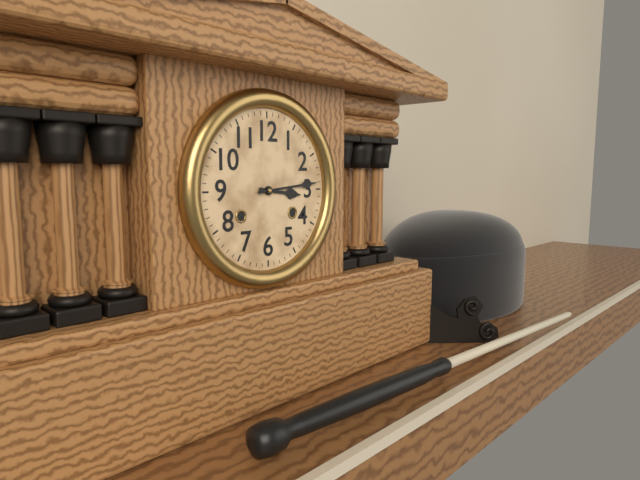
3.14
